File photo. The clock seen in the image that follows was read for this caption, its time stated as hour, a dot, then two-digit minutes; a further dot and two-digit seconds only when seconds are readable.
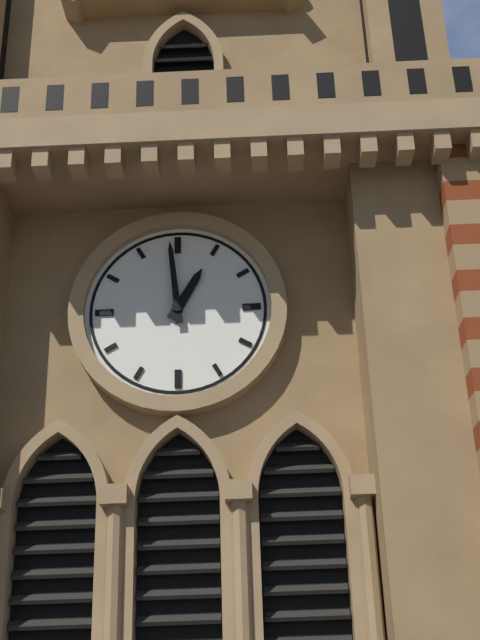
12.59
